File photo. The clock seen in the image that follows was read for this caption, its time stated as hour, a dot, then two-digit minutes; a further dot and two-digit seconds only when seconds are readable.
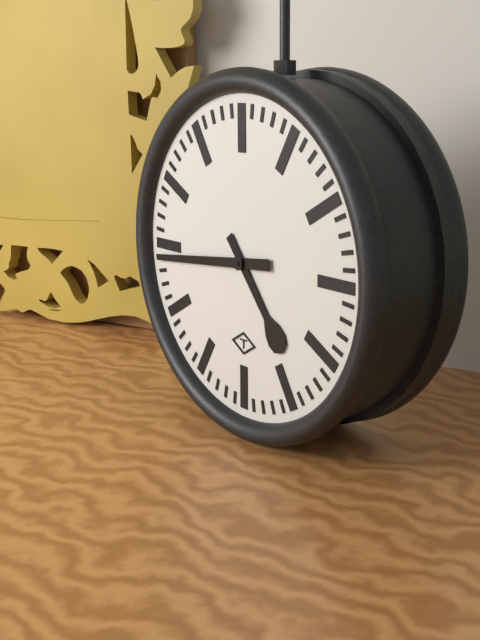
4.44
